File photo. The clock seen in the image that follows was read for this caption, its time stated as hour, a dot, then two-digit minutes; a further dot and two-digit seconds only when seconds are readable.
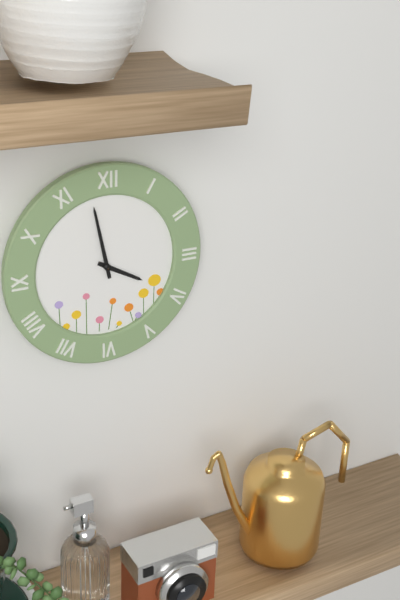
3.58
